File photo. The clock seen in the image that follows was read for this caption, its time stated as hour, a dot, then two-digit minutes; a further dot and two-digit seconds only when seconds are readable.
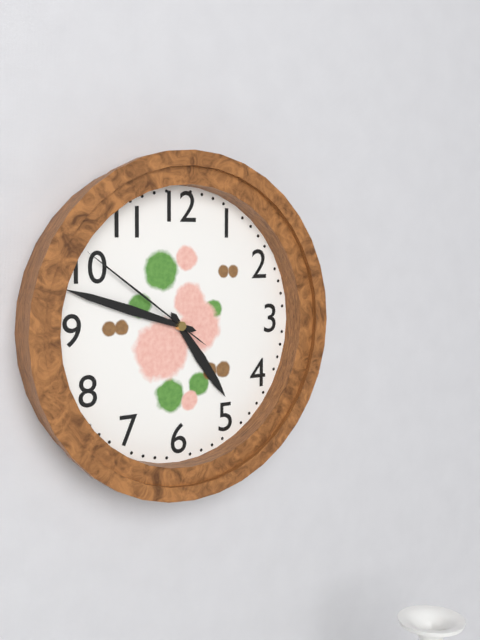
4.48.51
